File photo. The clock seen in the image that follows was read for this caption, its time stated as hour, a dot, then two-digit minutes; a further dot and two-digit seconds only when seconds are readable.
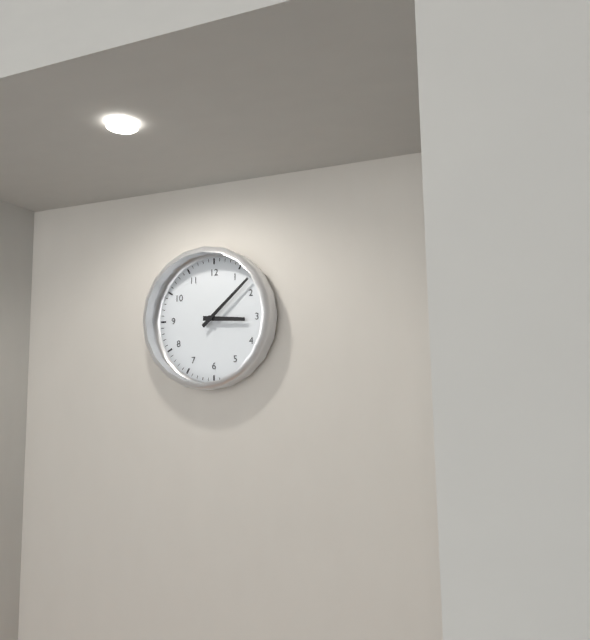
3.08
